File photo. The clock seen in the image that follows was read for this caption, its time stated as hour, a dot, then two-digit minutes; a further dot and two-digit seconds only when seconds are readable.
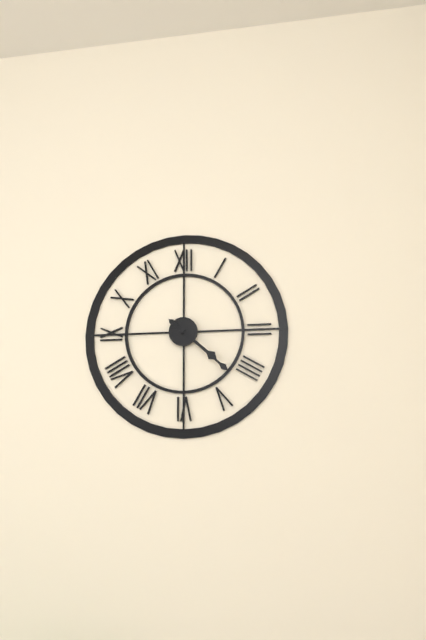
4.22
